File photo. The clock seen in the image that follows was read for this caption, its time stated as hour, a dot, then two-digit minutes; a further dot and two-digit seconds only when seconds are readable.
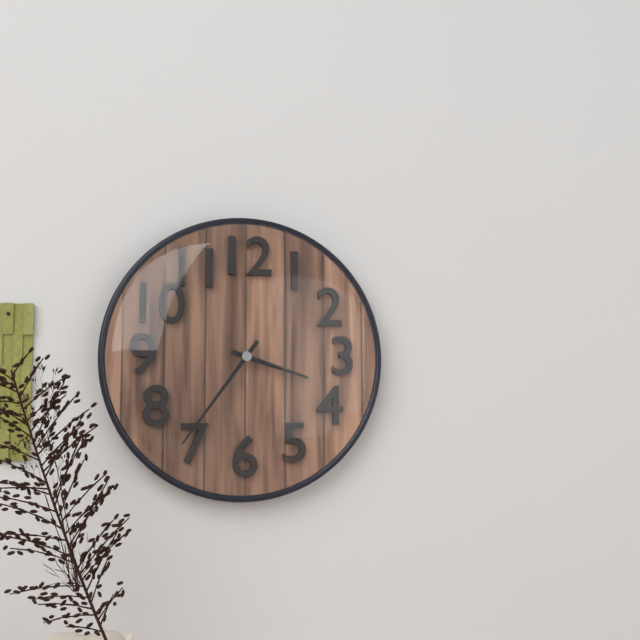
3.36
